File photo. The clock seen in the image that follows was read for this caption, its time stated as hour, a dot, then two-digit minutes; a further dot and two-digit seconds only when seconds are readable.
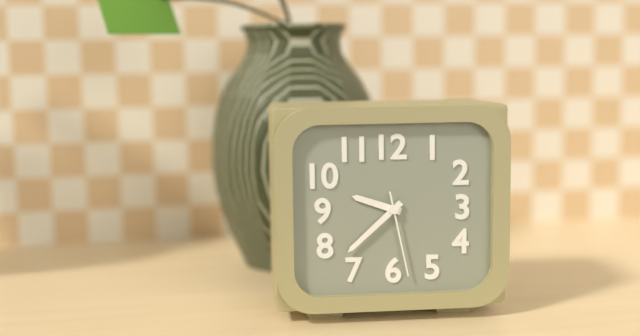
9.38.28
